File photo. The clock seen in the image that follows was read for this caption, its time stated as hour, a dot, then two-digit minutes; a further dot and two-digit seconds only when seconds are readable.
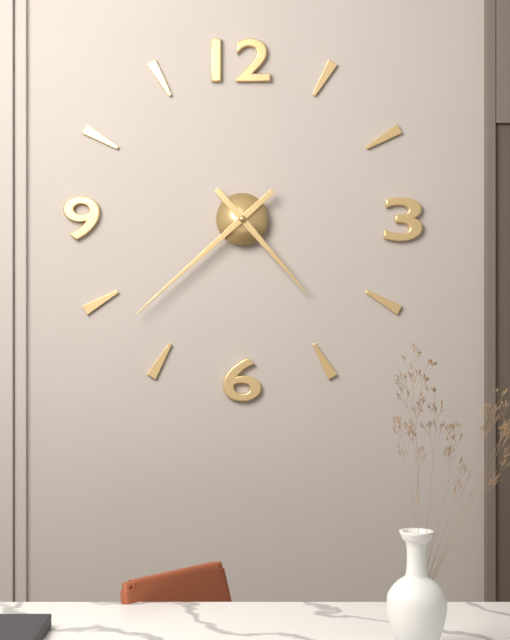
4.38
